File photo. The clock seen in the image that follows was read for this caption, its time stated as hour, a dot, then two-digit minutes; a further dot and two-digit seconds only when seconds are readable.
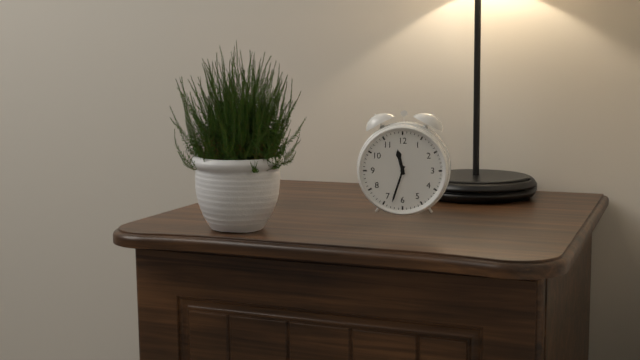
11.33
